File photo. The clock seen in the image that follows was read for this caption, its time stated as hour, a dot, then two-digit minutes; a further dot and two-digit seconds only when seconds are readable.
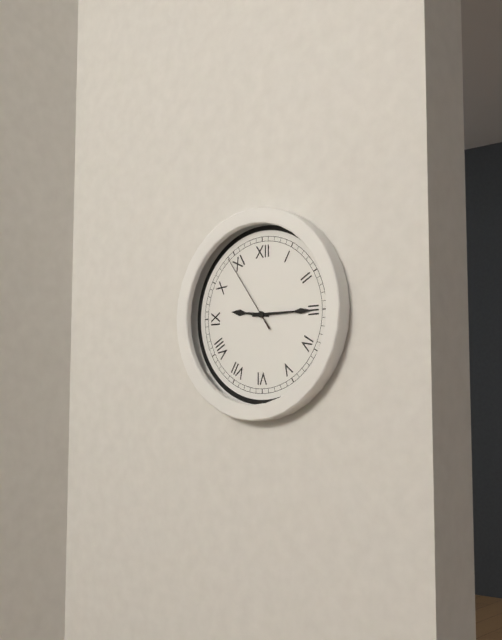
9.15.54
